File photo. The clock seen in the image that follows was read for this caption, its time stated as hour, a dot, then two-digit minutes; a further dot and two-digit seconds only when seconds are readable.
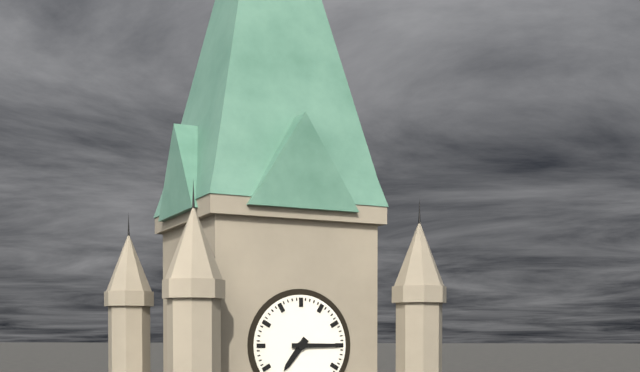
7.15
